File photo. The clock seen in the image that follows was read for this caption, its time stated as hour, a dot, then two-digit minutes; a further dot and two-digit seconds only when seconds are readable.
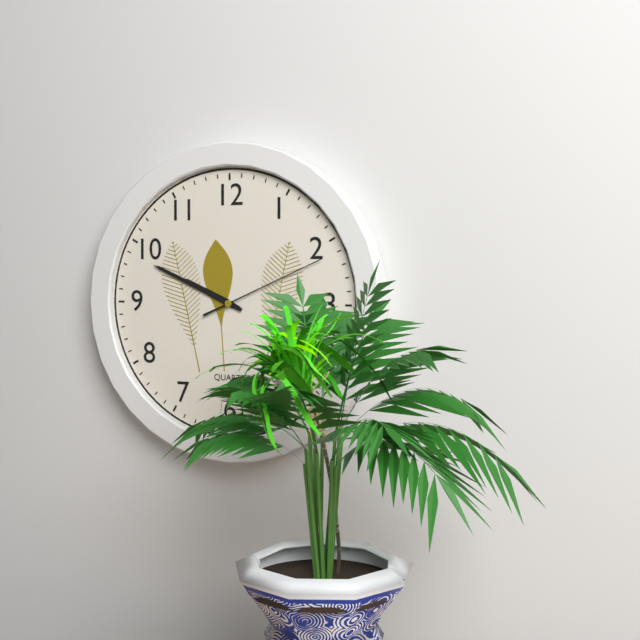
9.49.11
